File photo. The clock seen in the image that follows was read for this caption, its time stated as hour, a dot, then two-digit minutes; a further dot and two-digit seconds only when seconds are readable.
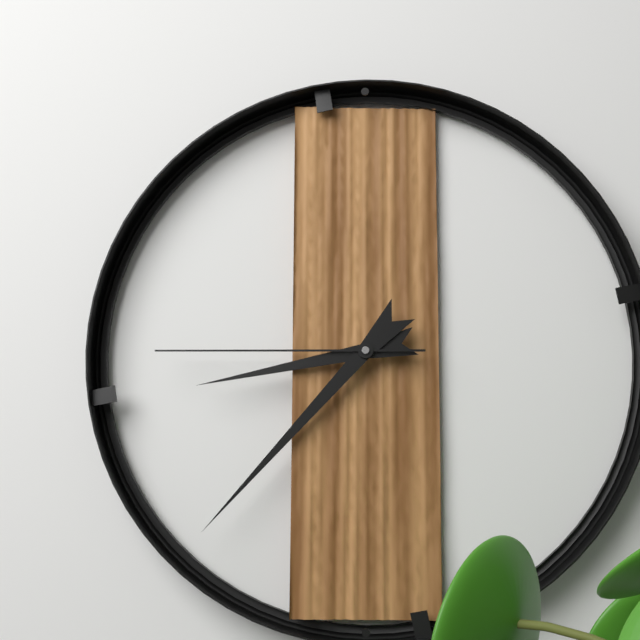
8.37.45
